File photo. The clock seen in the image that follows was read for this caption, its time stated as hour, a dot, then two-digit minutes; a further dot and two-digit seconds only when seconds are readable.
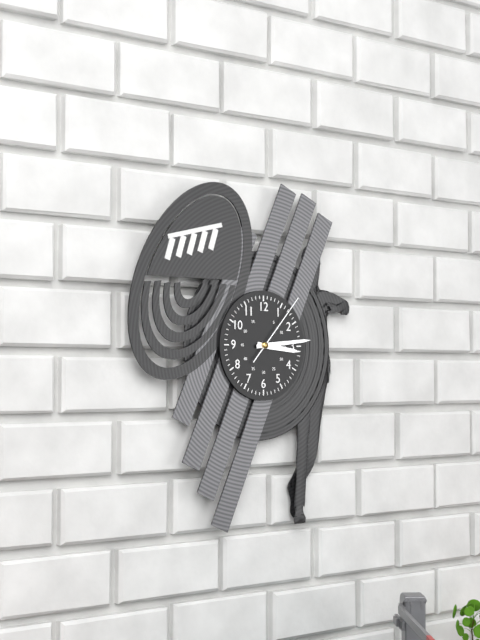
3.14.07
